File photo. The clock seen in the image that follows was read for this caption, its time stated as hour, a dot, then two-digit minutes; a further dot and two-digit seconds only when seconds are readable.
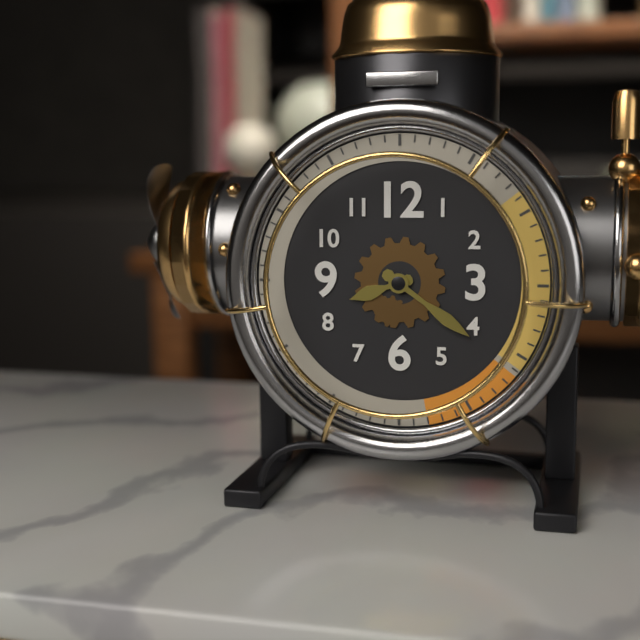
8.21
